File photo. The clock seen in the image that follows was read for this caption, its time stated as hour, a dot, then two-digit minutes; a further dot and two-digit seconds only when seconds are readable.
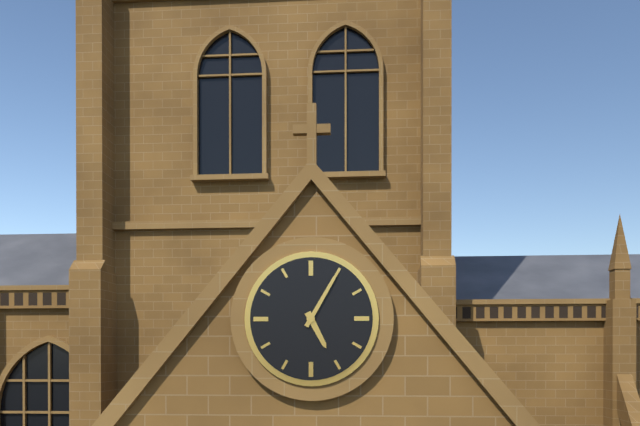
5.05
